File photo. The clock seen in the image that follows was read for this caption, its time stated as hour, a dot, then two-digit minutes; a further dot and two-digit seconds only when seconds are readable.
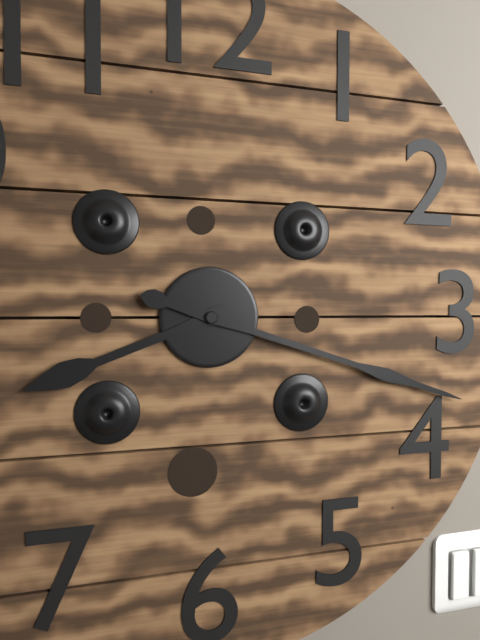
8.18
